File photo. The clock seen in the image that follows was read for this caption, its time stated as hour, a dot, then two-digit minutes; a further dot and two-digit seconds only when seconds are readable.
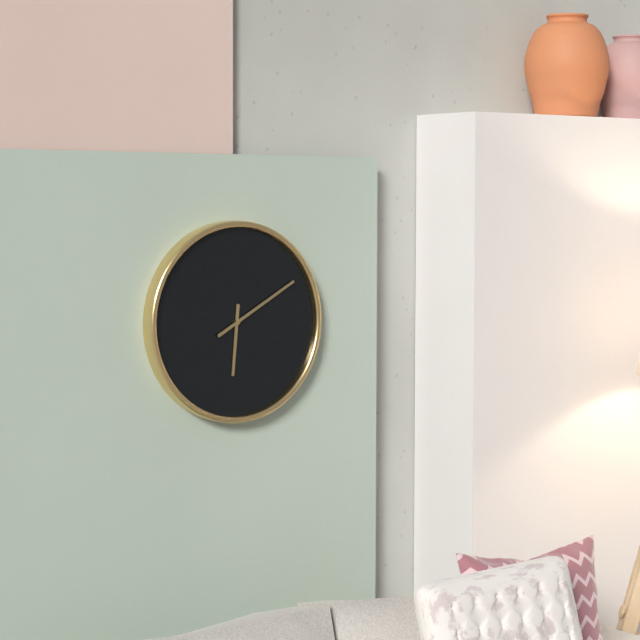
6.10
